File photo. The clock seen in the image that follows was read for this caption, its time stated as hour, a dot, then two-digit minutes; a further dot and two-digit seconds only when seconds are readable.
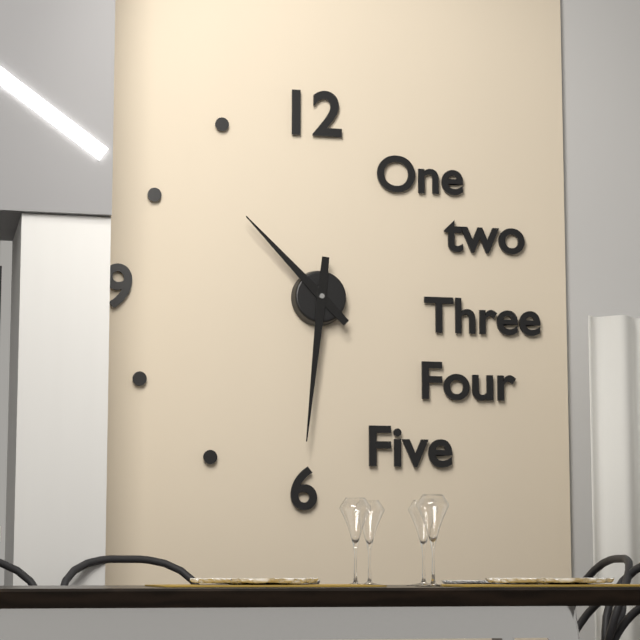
10.31
